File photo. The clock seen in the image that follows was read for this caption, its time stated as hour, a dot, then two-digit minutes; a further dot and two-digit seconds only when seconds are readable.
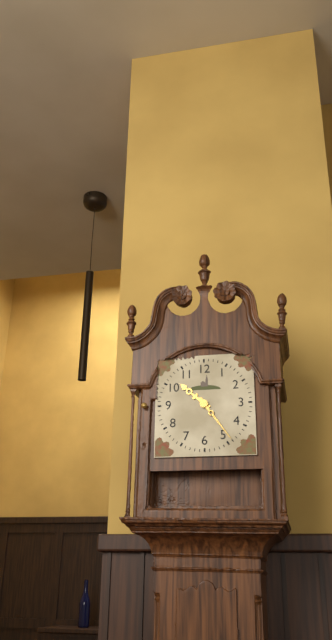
10.24
